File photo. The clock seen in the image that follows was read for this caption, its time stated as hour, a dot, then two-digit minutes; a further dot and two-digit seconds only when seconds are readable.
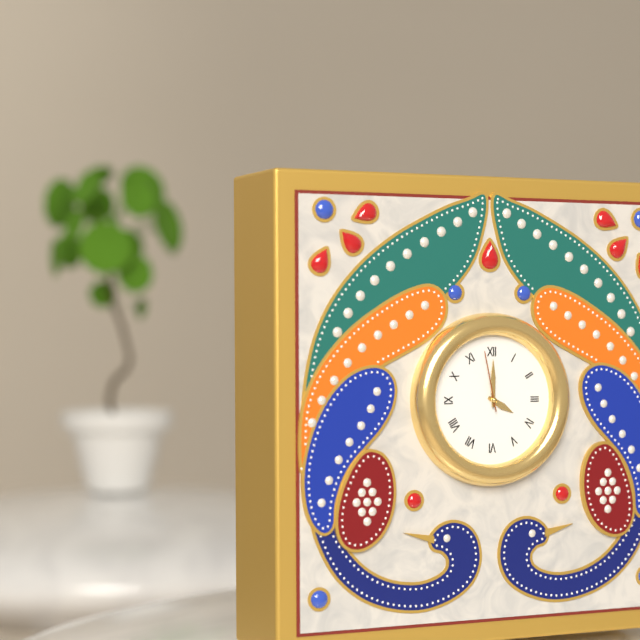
4.00.58
